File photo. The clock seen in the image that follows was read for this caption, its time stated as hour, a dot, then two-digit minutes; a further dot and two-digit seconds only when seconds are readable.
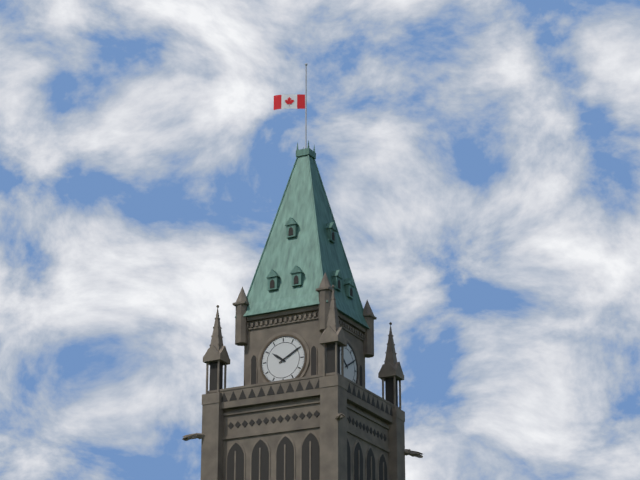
10.10
